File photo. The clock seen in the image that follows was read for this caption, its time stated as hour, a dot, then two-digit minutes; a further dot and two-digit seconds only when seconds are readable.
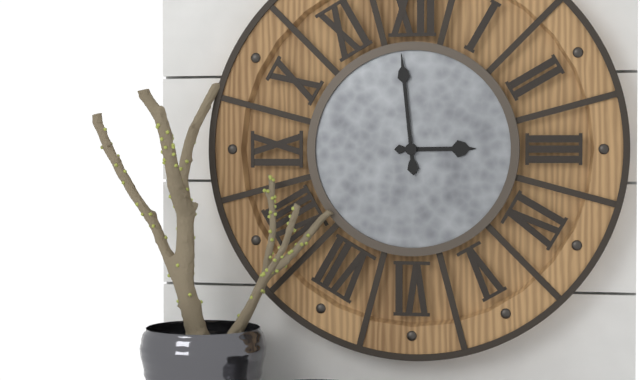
2.59
